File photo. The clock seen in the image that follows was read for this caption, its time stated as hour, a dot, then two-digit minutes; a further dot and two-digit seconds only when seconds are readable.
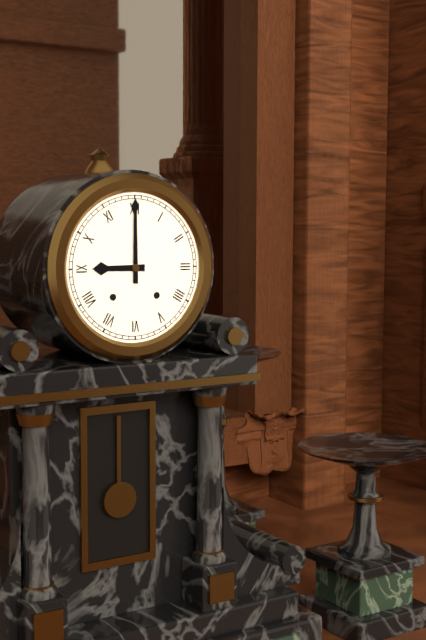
9.00
